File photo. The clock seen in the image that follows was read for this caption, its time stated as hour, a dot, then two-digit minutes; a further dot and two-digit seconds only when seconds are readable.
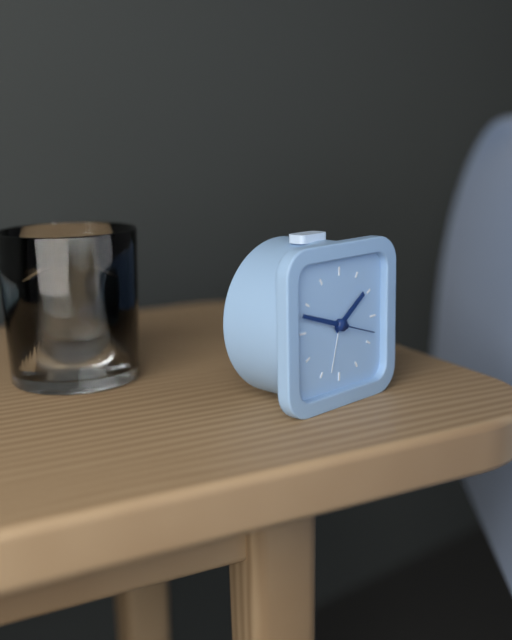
1.48
